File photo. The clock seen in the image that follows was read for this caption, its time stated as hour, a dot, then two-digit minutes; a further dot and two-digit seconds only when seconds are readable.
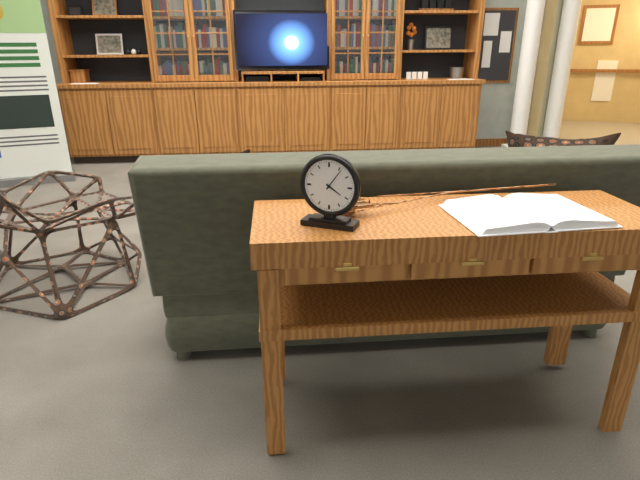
4.06
